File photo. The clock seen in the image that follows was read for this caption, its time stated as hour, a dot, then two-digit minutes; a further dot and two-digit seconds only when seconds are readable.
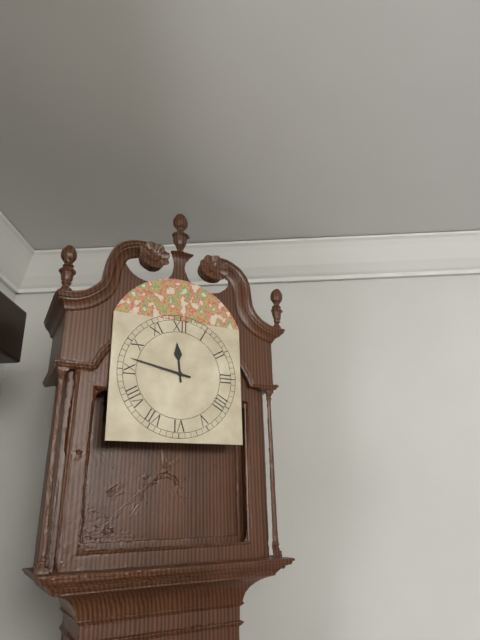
11.47
